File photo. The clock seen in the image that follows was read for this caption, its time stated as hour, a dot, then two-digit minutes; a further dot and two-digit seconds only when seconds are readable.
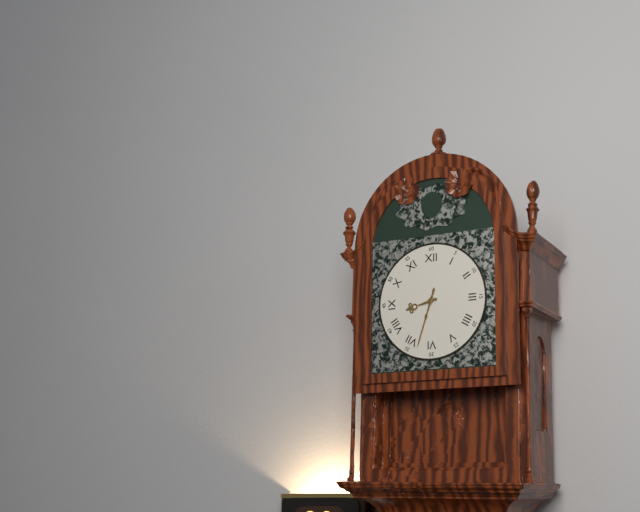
8.33
